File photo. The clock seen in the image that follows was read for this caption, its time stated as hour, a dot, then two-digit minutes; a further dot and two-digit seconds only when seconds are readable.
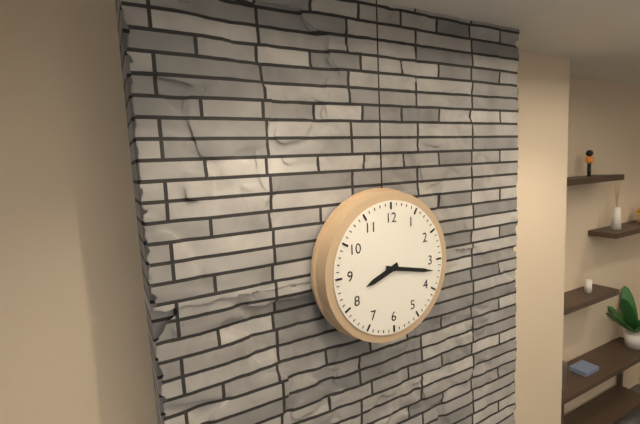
8.17
